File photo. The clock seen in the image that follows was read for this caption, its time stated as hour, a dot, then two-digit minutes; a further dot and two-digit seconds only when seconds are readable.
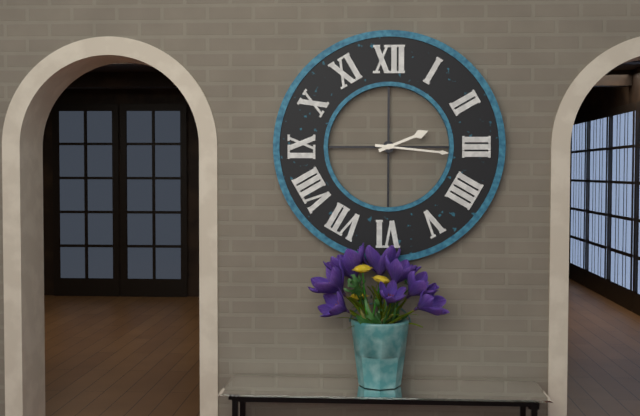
2.16
